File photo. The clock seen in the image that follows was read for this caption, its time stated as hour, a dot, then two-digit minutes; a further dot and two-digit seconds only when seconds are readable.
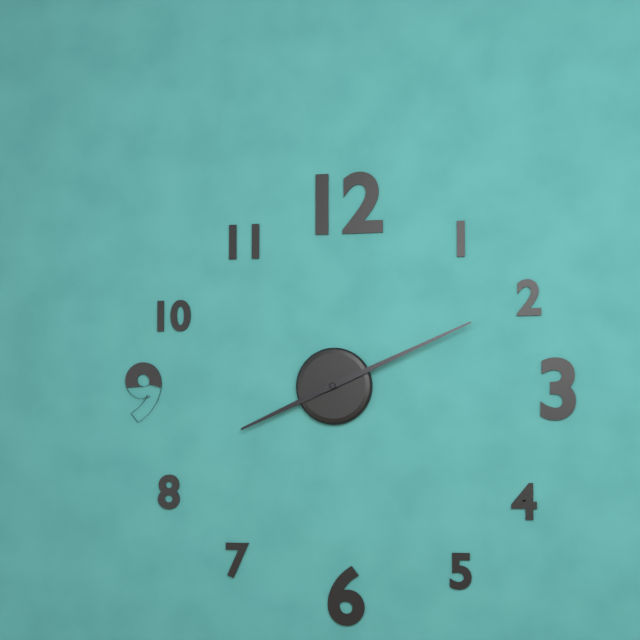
8.11
